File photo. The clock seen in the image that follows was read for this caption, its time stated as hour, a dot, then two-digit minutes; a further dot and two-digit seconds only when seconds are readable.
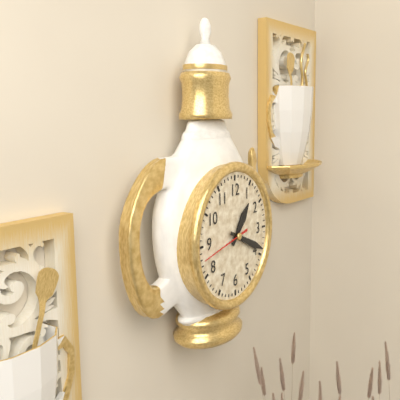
1.19.43
